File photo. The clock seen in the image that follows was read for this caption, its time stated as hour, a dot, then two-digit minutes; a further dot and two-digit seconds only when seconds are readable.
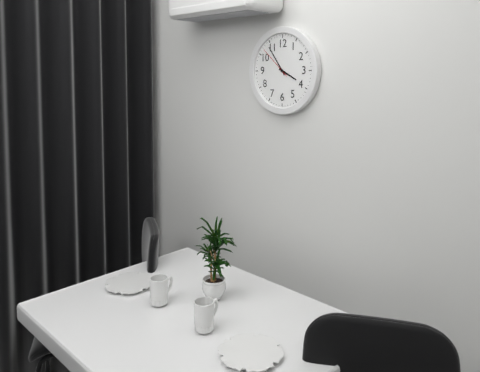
3.54
